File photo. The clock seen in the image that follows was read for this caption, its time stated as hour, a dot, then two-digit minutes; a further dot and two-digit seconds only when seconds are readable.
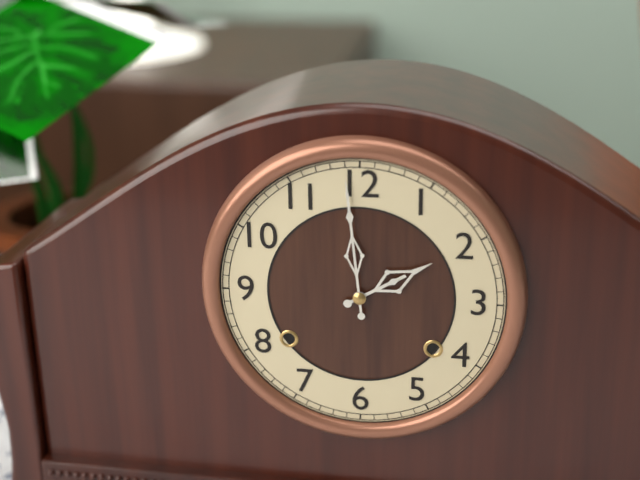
1.59
